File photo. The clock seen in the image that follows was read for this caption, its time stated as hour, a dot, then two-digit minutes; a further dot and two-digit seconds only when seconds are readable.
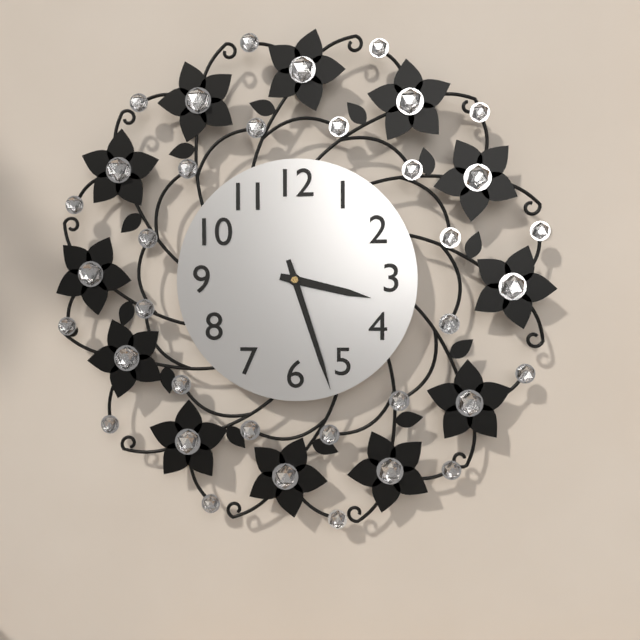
3.27
